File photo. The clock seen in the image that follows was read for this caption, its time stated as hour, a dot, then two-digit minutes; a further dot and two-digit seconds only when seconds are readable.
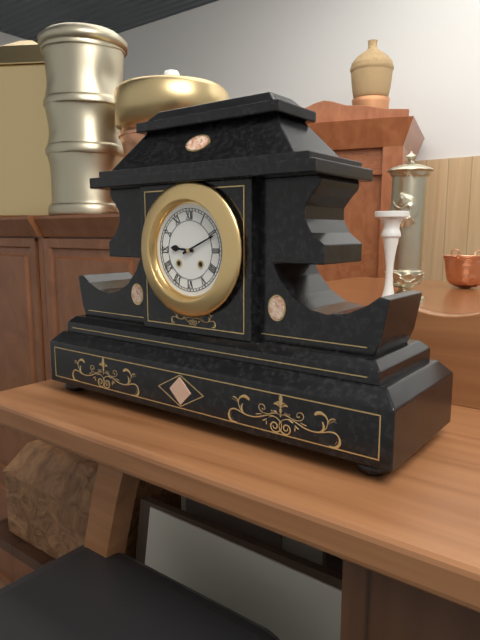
9.11
